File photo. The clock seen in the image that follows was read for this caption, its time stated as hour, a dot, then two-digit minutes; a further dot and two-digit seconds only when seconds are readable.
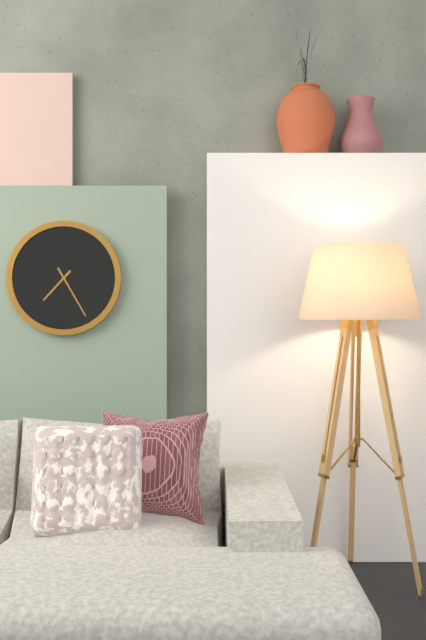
7.25
